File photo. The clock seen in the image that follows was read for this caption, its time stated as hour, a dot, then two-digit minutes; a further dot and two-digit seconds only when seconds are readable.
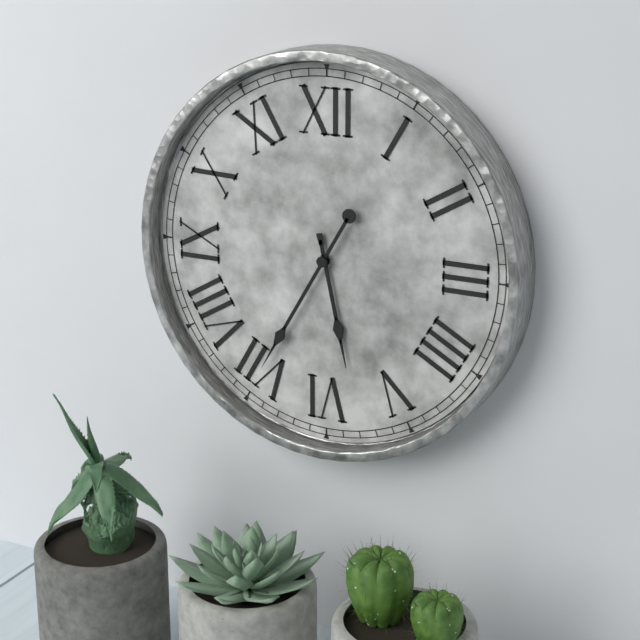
5.35
